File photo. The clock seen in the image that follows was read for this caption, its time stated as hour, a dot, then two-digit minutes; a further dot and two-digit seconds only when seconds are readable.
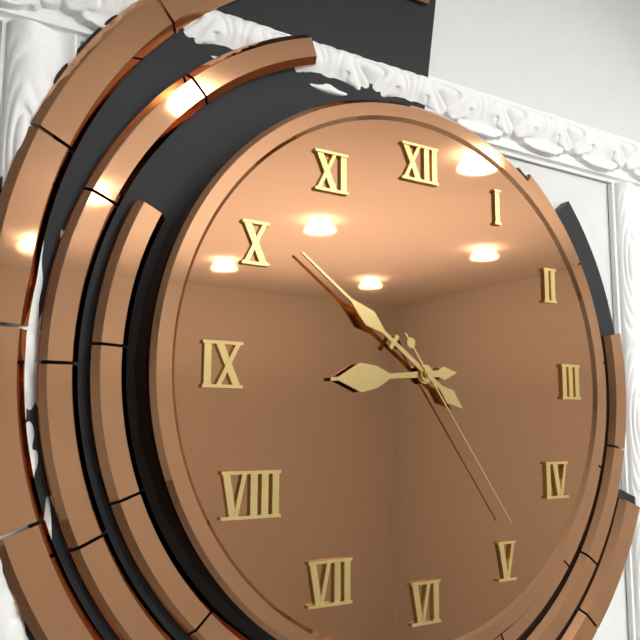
8.51.24
